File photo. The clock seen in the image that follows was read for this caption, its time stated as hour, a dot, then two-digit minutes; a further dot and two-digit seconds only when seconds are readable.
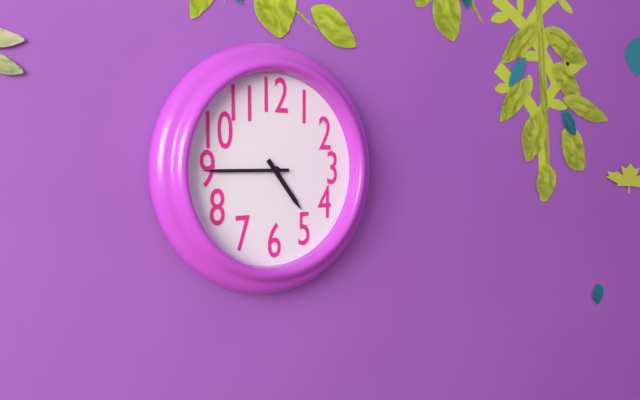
4.45
